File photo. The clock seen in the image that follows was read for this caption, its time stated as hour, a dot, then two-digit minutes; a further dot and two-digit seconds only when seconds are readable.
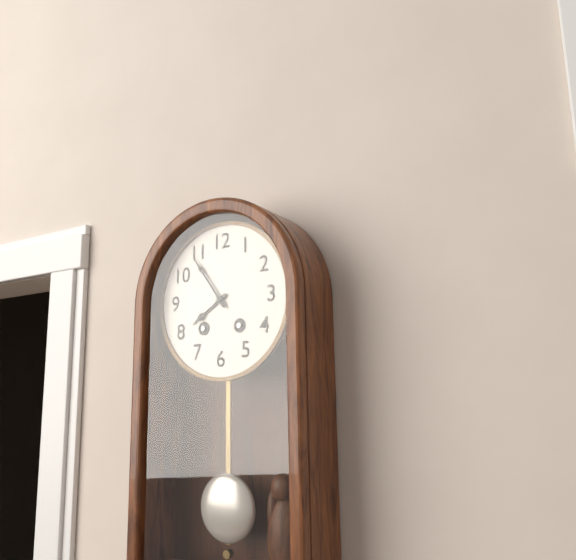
7.54
